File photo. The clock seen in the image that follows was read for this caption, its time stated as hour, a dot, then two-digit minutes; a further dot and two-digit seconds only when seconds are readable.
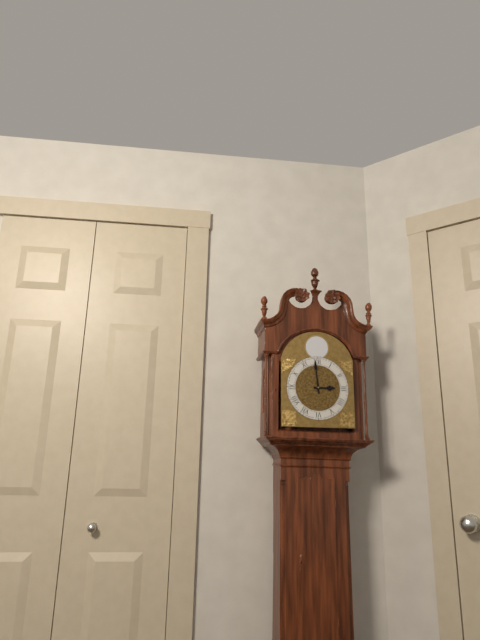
2.59
